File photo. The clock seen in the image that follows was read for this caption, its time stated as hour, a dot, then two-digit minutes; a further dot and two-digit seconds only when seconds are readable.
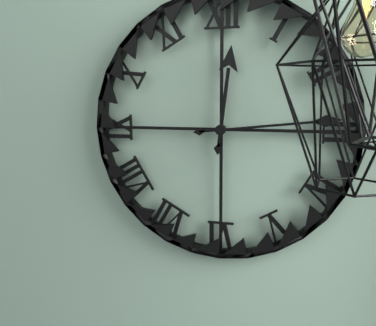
12.14
